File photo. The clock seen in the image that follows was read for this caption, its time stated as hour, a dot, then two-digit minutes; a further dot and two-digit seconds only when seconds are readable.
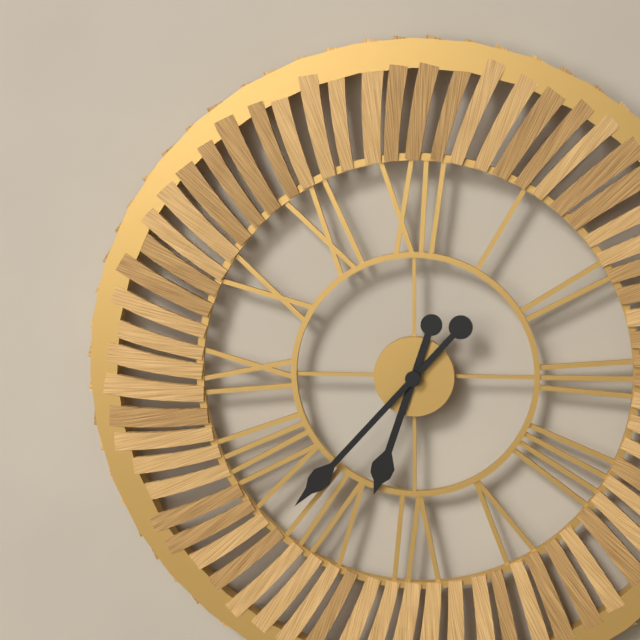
6.37
